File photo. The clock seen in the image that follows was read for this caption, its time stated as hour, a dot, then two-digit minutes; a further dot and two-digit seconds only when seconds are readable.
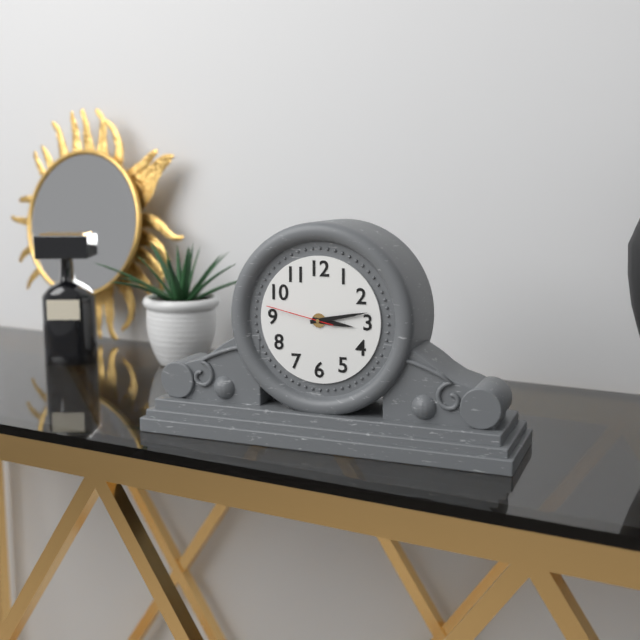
3.13.47
